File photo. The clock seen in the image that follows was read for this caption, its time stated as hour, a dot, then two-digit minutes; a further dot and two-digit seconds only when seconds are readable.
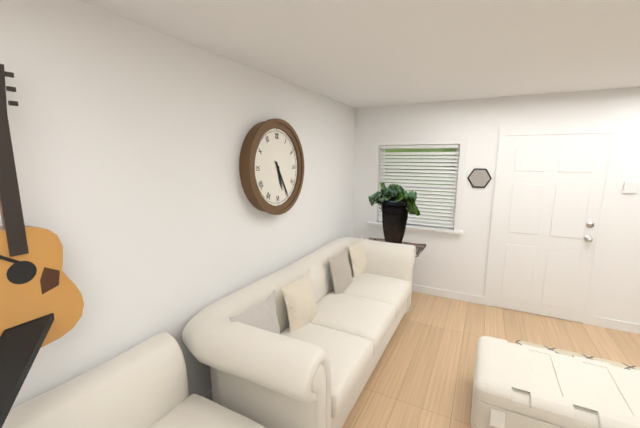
5.25
